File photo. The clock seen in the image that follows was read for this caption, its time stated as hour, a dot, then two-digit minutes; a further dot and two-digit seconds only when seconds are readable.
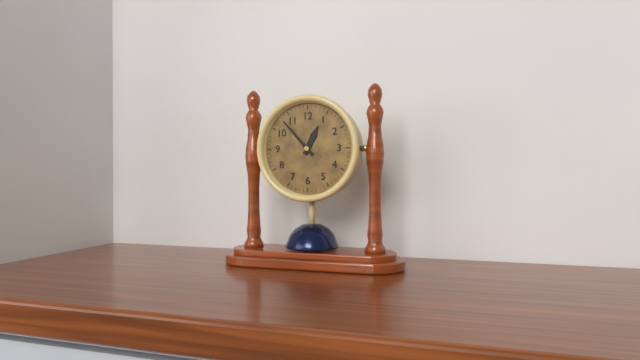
12.53
